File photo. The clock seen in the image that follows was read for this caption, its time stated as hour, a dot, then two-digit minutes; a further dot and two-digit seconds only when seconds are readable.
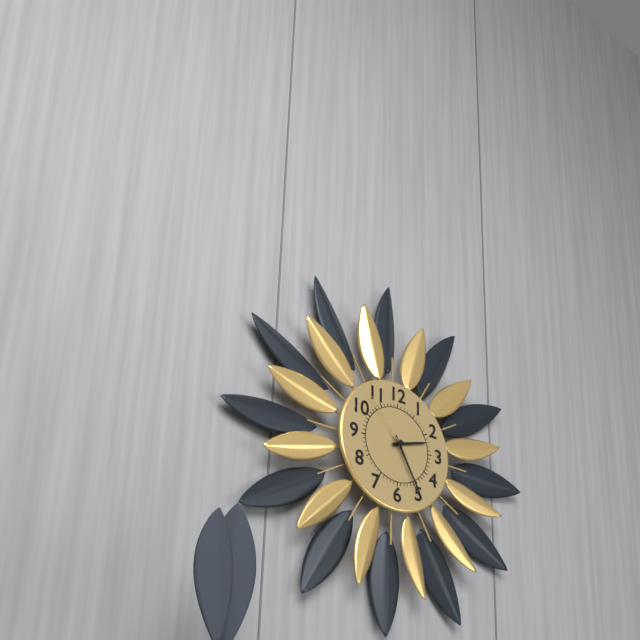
2.25.53
